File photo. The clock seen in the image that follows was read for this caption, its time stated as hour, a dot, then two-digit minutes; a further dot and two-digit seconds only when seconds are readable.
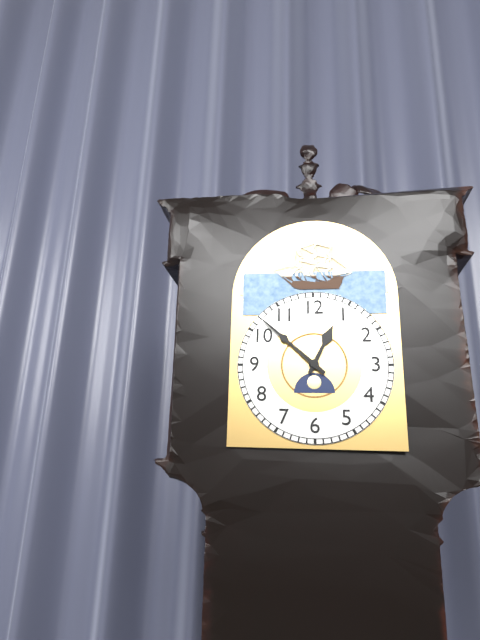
12.52
